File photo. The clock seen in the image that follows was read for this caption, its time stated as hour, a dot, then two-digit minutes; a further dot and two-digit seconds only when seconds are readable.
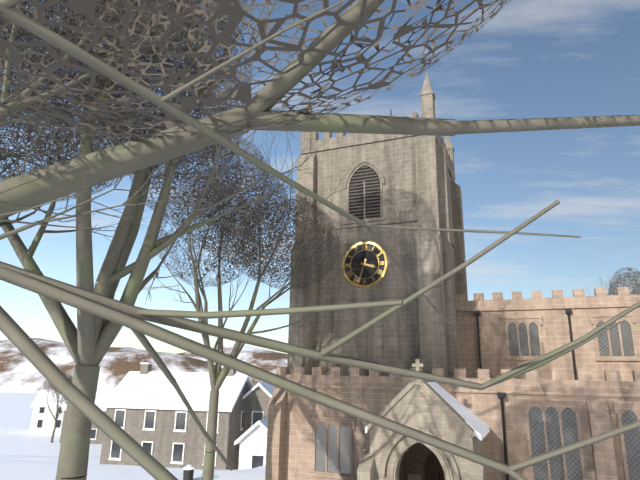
3.33
